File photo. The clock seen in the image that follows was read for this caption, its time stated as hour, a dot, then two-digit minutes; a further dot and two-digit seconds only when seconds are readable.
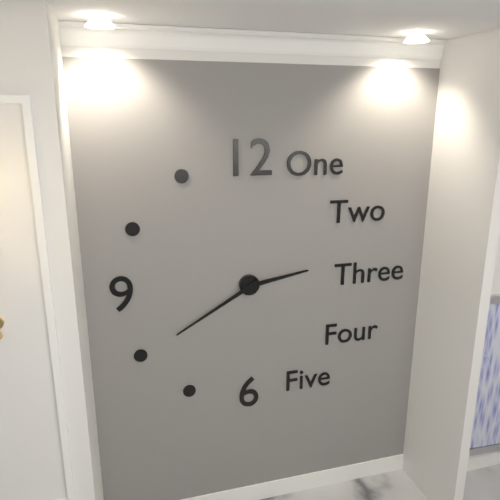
2.40
